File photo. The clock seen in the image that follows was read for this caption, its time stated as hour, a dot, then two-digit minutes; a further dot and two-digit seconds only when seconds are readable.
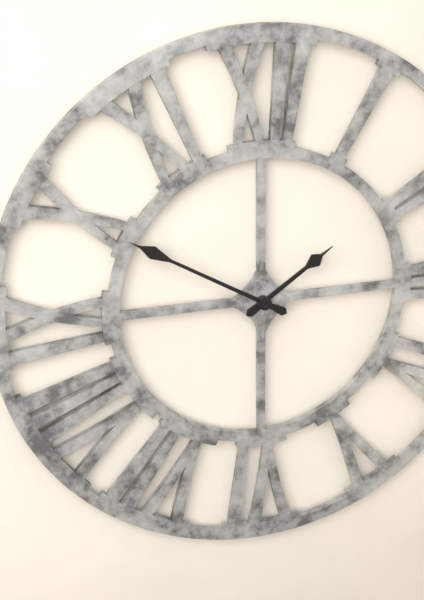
1.50
